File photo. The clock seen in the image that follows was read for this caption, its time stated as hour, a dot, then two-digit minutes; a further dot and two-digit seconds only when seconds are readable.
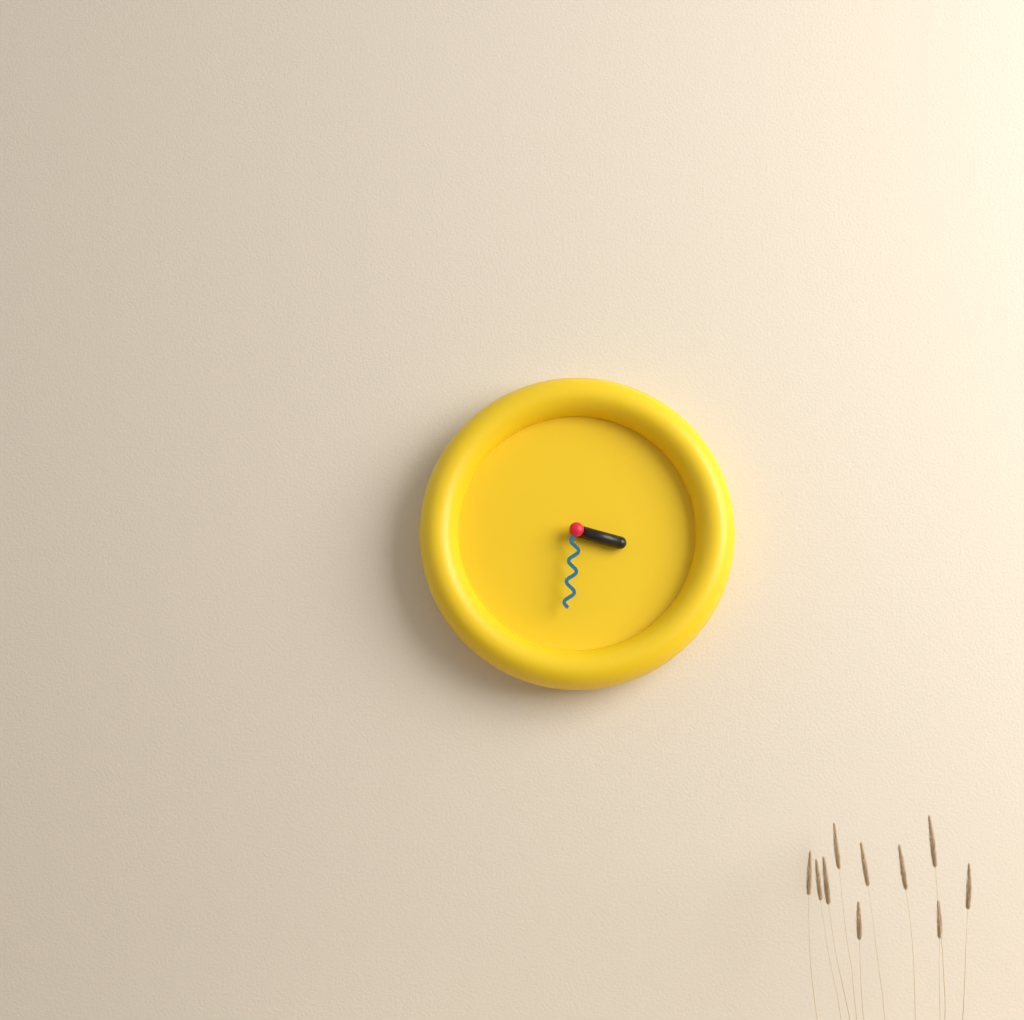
3.31
